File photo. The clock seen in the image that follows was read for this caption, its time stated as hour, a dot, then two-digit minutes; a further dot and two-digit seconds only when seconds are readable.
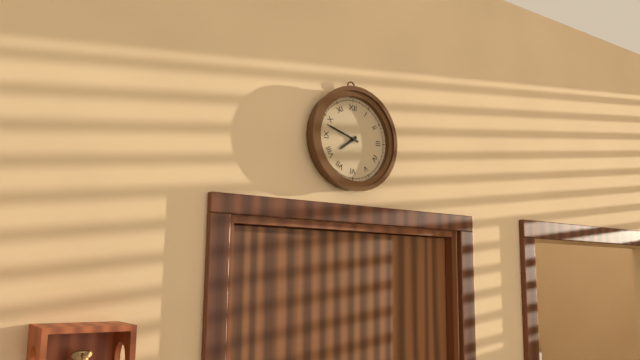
7.48
